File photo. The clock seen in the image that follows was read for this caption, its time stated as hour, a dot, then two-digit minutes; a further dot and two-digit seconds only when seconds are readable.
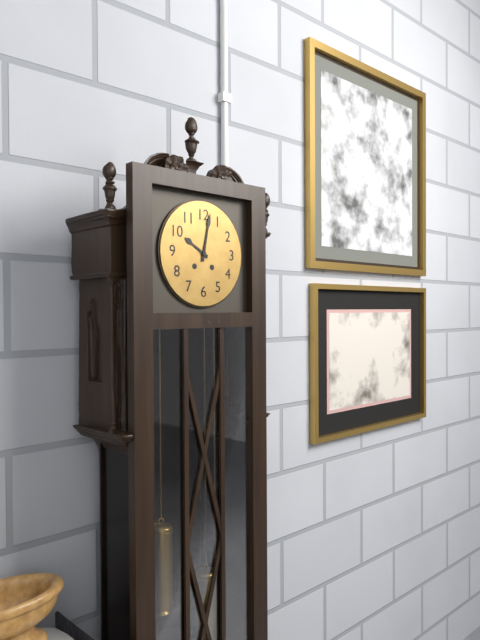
10.02
